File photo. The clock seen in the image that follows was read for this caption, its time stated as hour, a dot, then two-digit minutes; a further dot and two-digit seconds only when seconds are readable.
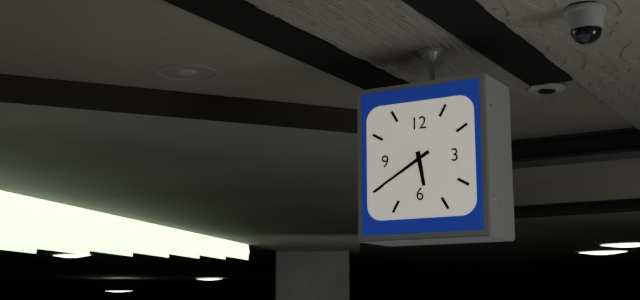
5.40
